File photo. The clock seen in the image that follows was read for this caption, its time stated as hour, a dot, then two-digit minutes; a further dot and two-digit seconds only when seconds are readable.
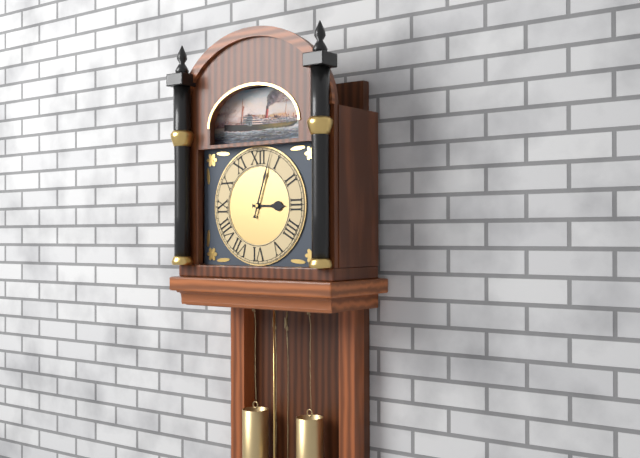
3.03
